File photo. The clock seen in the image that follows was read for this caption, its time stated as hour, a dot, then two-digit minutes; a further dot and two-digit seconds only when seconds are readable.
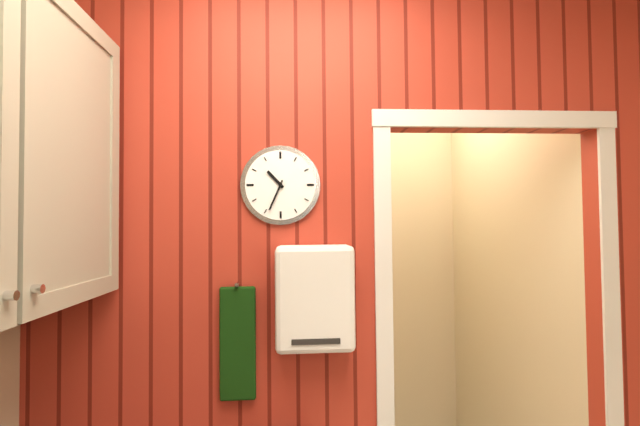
10.34
